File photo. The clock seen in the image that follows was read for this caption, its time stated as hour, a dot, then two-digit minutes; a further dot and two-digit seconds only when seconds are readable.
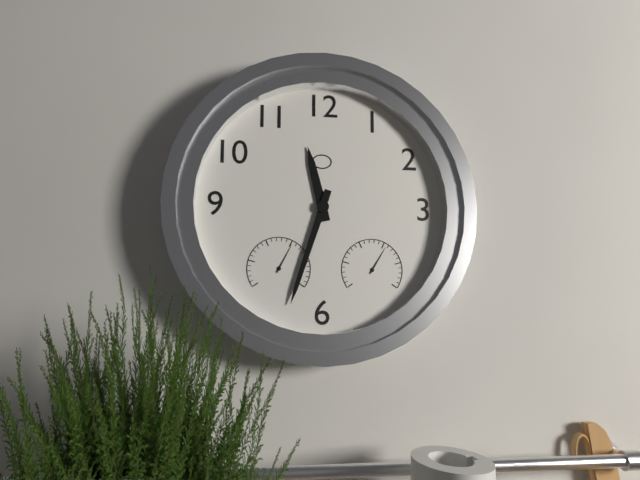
11.33
